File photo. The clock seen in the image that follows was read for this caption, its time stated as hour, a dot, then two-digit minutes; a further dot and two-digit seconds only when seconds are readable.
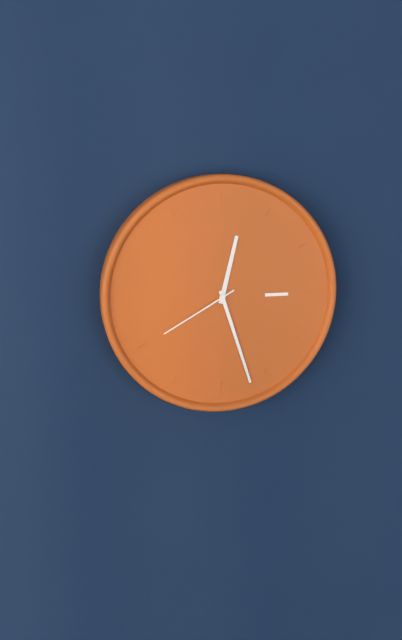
12.27.40
